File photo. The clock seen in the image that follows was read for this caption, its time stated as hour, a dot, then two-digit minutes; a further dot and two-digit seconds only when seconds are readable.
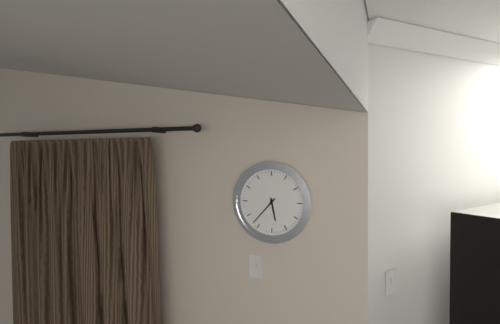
5.37
